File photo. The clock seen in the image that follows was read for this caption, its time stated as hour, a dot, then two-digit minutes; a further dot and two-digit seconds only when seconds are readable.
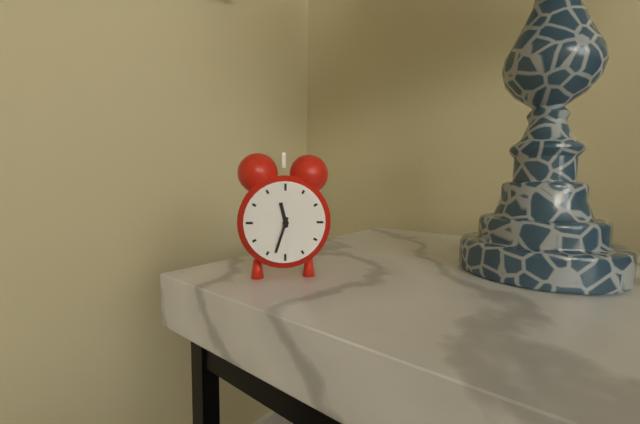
11.33
